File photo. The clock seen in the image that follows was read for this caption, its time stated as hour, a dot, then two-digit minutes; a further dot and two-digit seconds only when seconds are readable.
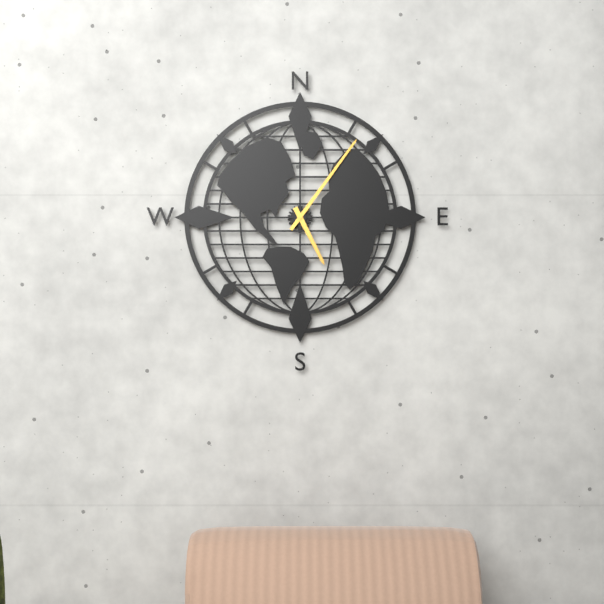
5.06
